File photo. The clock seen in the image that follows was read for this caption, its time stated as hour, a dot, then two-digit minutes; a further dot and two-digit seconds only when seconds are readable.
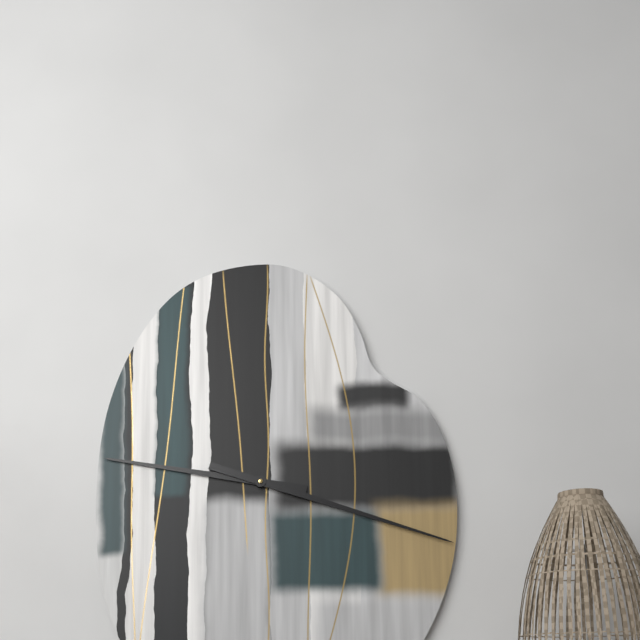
9.18
